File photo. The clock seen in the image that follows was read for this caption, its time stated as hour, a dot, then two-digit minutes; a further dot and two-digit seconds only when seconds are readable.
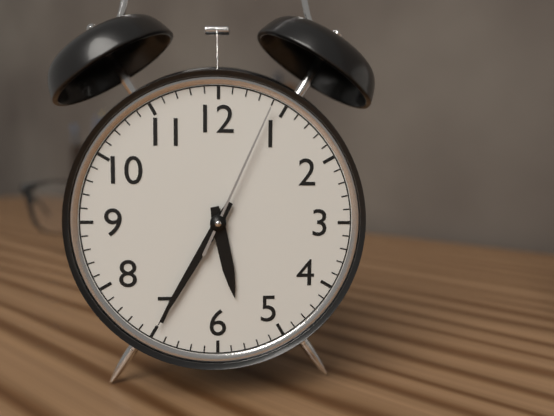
5.35.04
